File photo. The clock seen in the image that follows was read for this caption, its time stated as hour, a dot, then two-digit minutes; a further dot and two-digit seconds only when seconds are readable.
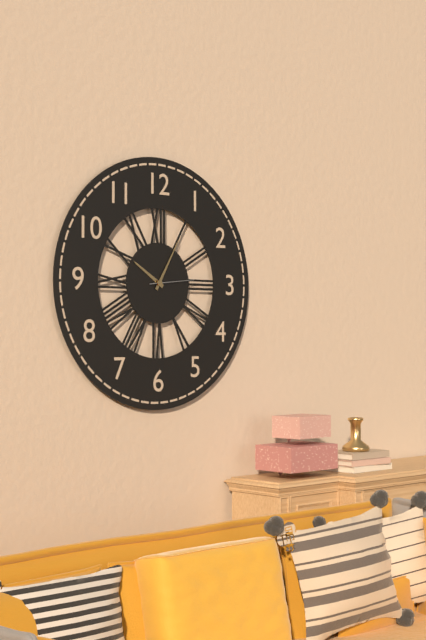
10.05
